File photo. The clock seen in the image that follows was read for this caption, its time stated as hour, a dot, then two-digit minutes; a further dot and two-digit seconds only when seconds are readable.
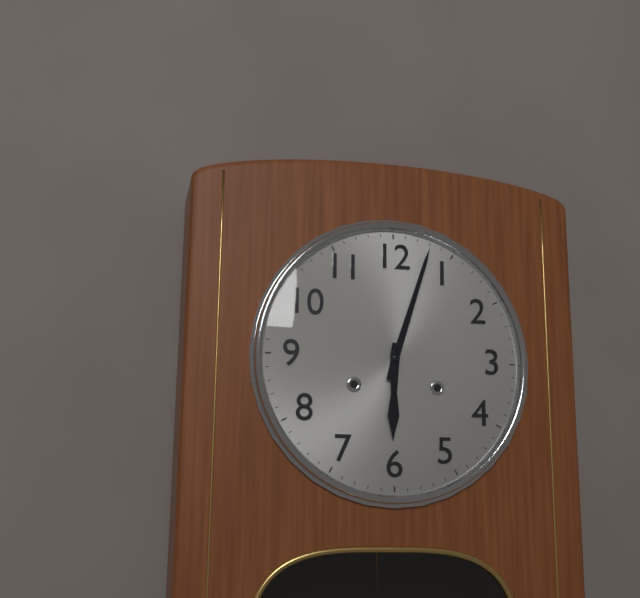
6.03
